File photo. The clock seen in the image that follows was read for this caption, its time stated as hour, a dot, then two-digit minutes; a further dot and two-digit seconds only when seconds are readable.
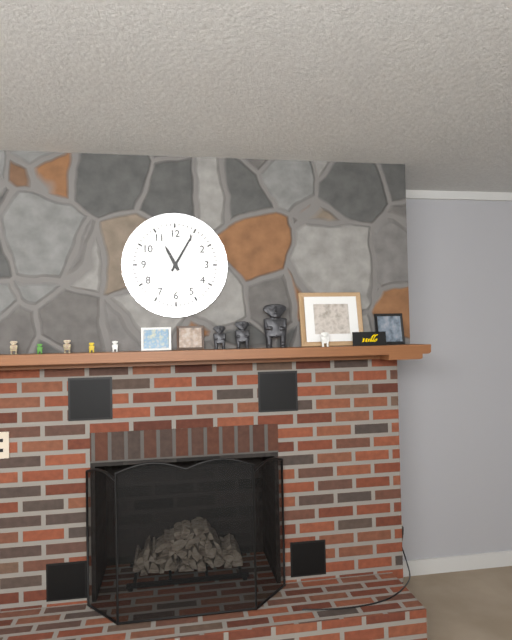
11.05
